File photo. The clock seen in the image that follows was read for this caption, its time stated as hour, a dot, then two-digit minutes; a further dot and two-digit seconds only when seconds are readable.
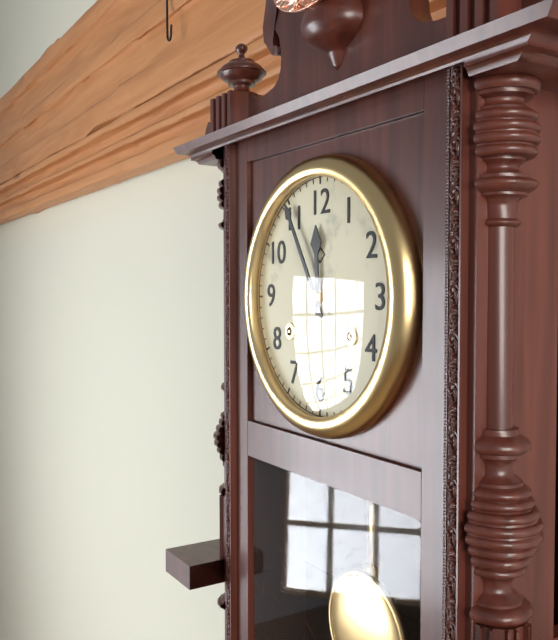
11.55
